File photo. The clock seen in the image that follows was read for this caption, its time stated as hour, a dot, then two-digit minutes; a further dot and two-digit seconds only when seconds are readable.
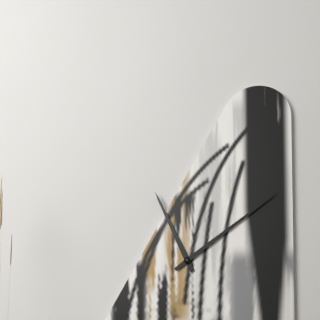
11.09
